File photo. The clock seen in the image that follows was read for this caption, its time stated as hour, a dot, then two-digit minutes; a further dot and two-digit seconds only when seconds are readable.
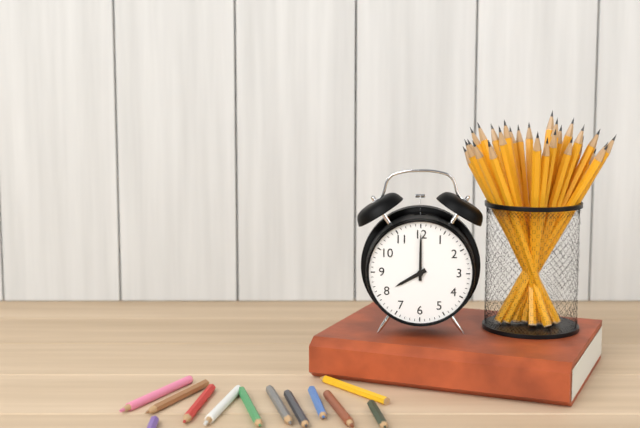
8.00
